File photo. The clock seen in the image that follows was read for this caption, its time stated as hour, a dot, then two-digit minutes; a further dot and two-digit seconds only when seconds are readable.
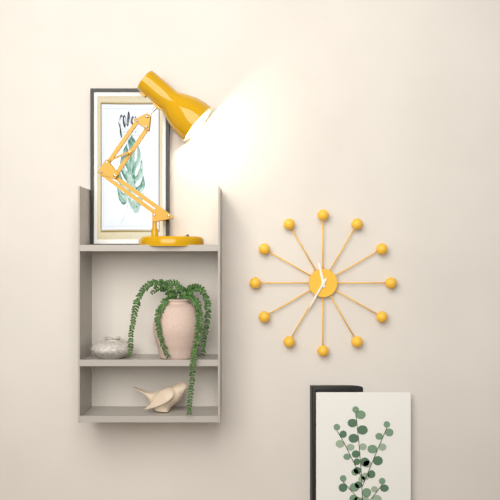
11.35
